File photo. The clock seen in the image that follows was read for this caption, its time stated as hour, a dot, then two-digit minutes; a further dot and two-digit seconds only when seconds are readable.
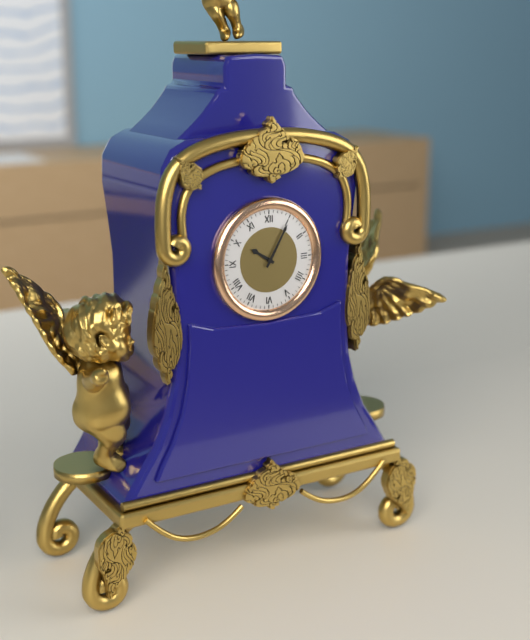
10.05
